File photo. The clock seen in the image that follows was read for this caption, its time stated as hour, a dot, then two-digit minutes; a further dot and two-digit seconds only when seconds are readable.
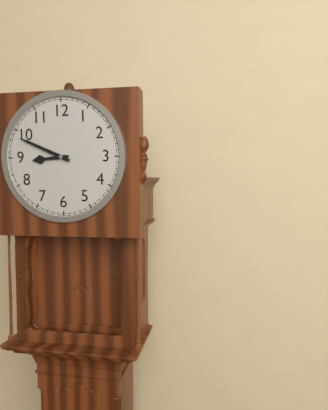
8.49
